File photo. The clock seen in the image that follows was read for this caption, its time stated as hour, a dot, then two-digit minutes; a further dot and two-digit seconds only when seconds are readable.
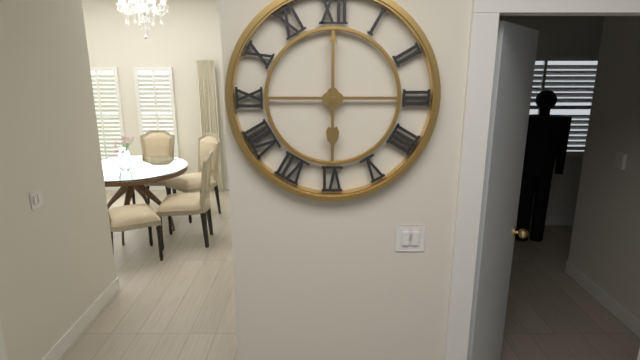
6.00
